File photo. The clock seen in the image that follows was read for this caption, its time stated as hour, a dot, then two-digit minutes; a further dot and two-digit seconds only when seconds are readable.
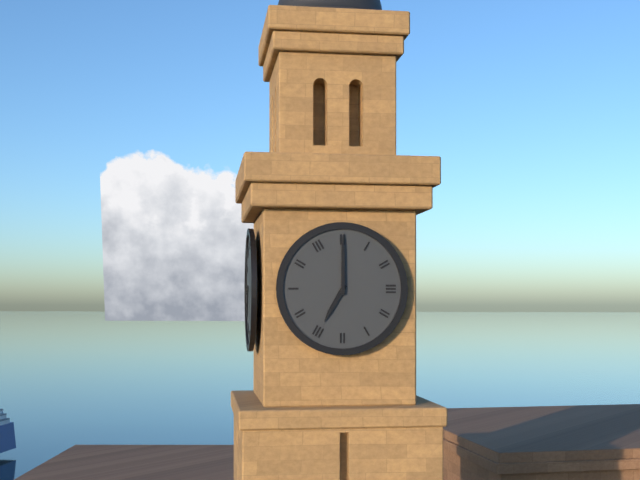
7.00
